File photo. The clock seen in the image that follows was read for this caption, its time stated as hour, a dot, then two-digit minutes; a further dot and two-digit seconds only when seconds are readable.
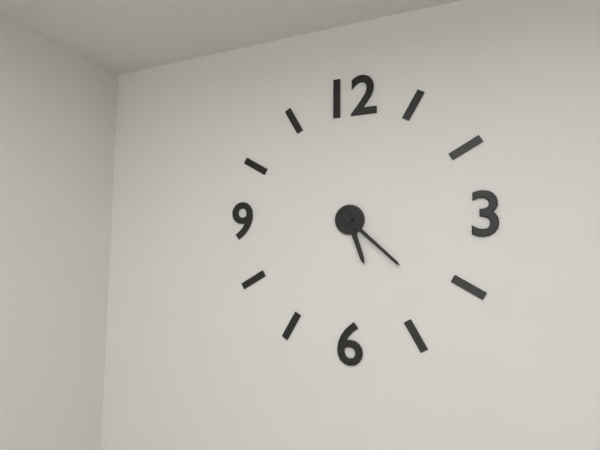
5.22
